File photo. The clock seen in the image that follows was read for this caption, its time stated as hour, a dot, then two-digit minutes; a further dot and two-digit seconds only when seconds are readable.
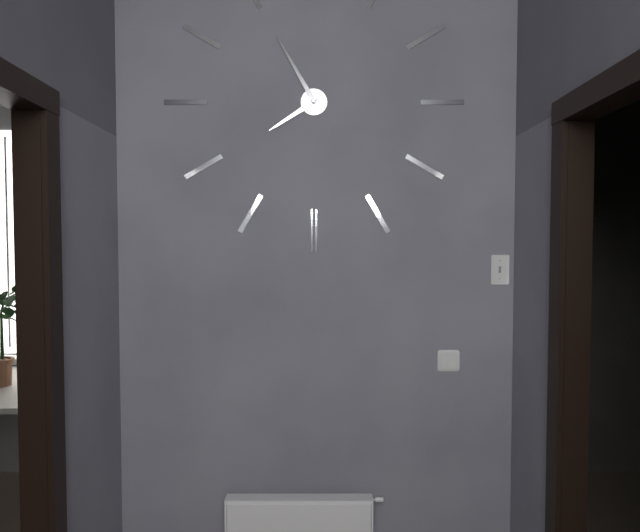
7.55
